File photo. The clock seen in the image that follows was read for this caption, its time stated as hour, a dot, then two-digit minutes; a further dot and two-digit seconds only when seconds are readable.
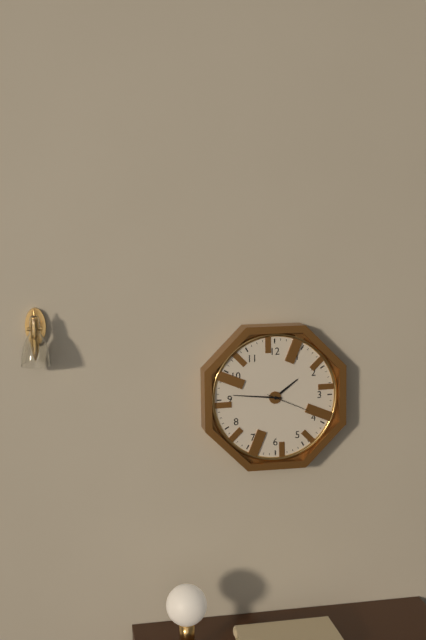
1.46
